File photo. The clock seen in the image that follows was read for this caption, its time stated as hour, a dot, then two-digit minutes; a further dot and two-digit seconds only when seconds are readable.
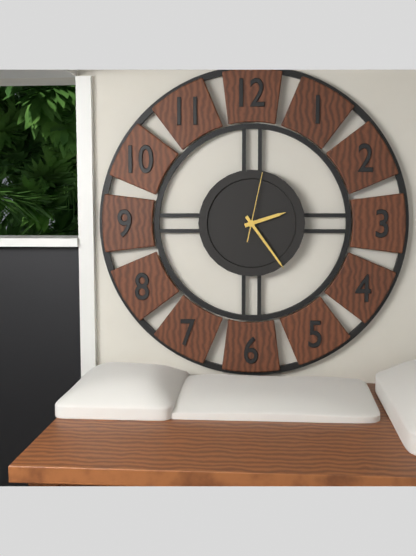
2.24.02
